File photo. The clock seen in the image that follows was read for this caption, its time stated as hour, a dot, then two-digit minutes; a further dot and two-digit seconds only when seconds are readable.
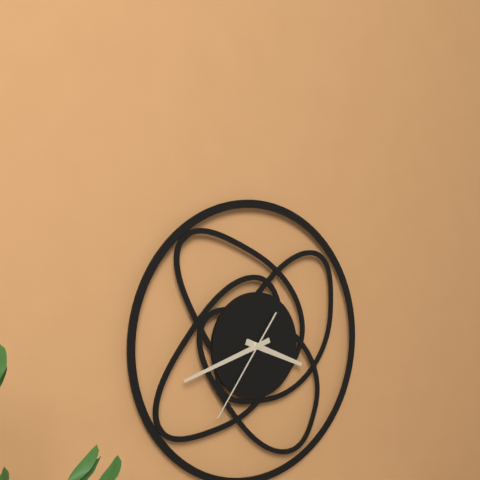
3.42.36
